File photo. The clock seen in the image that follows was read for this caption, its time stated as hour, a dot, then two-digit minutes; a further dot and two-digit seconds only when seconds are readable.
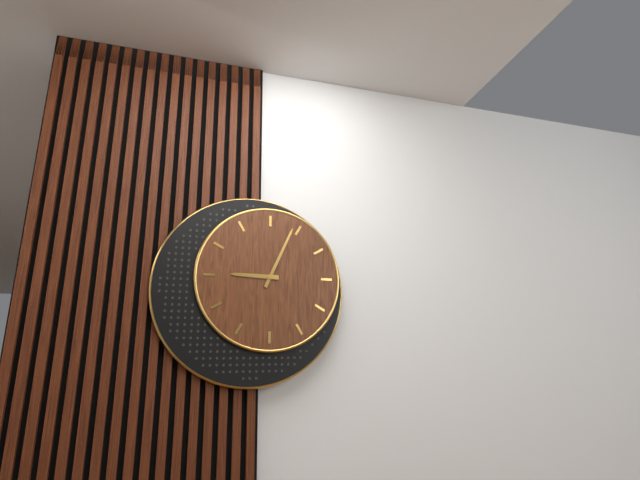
9.04
